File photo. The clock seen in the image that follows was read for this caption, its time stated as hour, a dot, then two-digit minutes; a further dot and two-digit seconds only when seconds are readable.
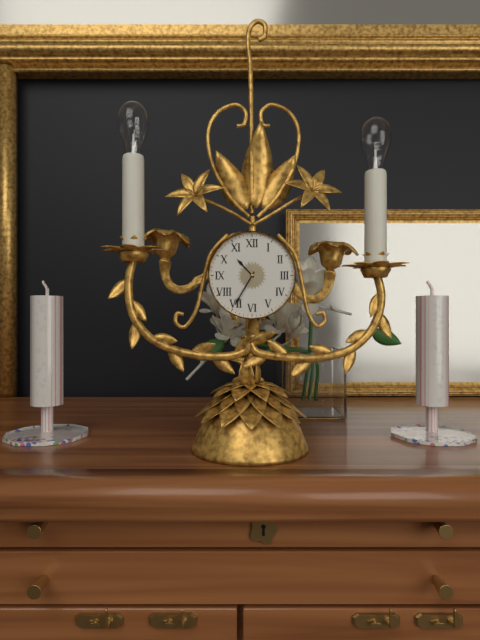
10.35
